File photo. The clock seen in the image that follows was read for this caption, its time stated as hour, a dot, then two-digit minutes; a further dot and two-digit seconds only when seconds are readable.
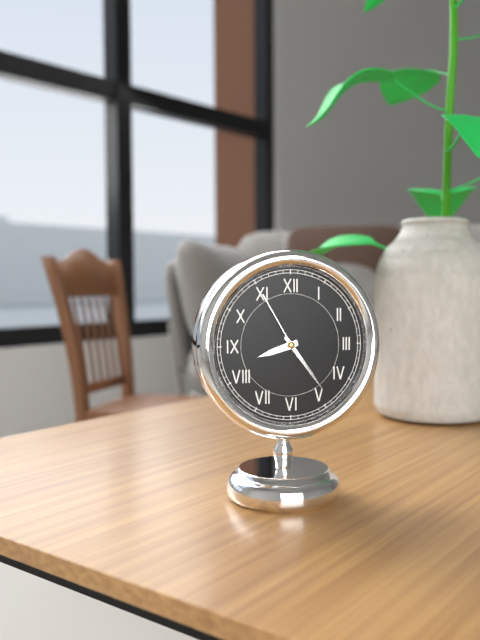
8.24.55
